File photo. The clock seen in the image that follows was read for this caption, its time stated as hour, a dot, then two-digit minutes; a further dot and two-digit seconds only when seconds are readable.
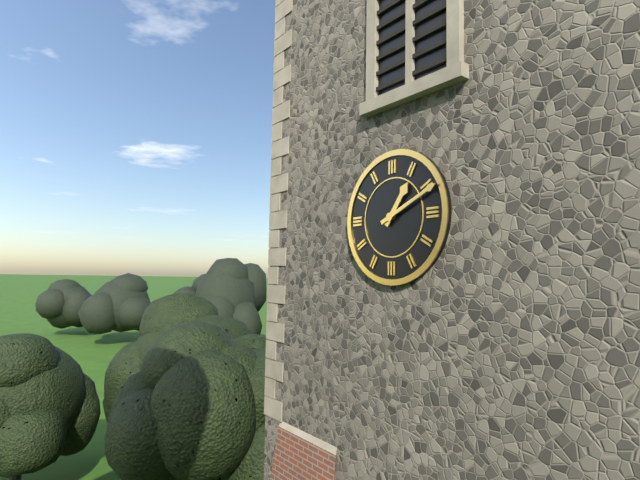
1.11
